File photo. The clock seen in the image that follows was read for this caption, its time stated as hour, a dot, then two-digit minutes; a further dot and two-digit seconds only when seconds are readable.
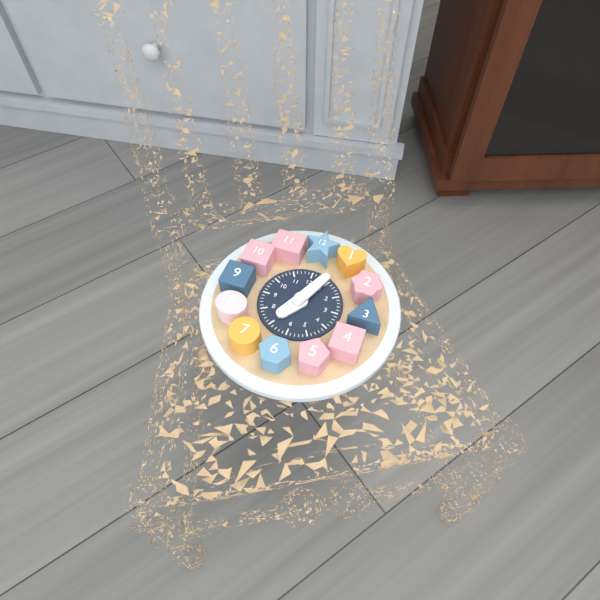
7.04
